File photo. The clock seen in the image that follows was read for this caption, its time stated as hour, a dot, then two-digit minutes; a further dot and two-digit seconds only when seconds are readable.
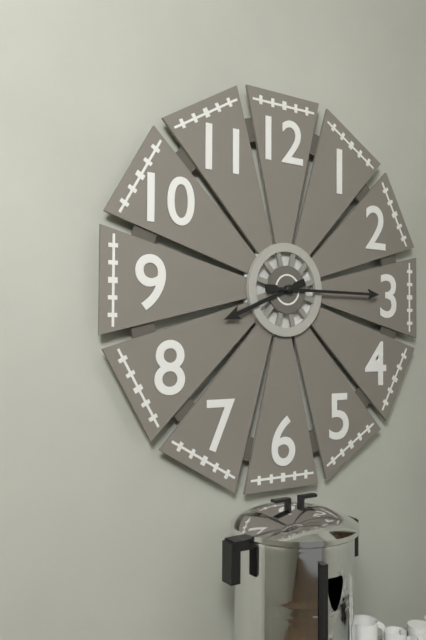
8.15
